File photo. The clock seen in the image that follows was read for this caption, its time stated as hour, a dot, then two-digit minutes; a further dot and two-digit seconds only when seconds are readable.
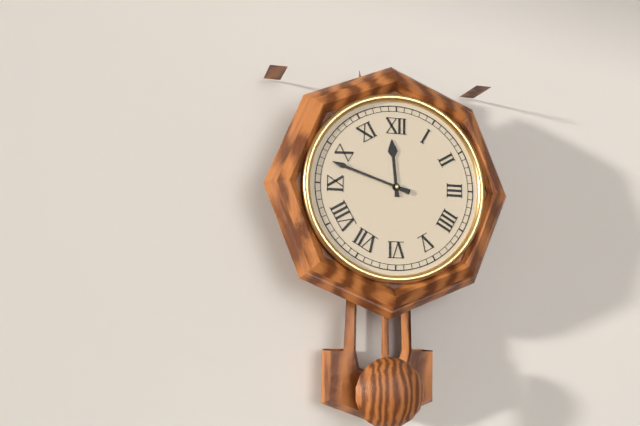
11.48
